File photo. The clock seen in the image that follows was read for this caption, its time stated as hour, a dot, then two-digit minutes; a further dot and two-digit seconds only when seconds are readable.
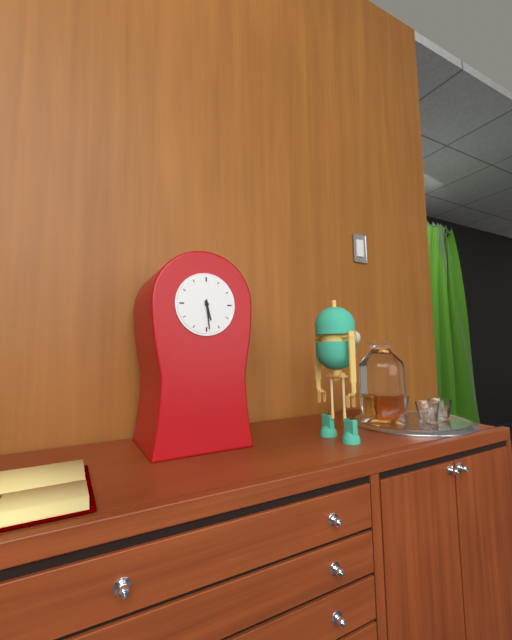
5.29
